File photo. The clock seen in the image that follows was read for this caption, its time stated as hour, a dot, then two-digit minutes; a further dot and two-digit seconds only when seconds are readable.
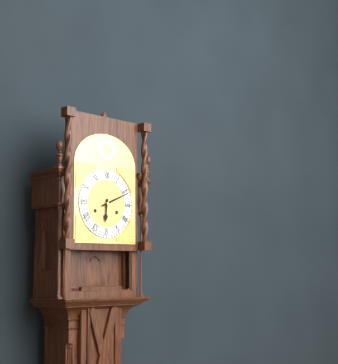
6.11
